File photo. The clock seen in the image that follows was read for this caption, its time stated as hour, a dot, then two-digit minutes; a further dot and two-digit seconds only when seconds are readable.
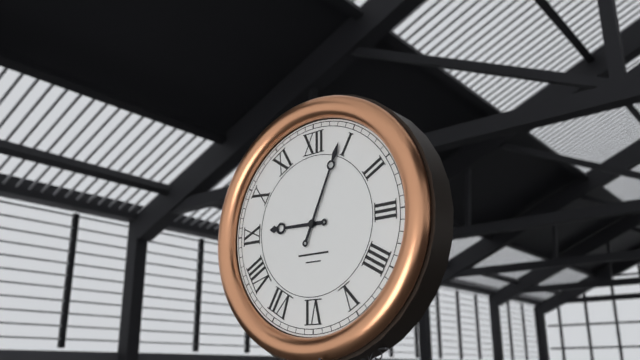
9.04
